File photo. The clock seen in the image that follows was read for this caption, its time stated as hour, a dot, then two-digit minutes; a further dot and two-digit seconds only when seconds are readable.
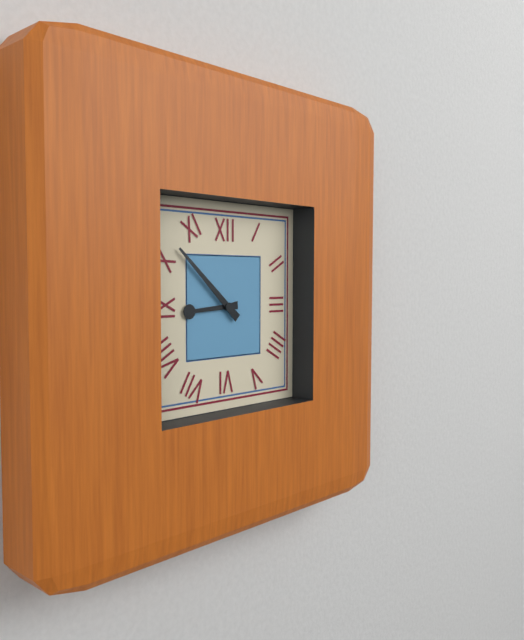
8.52
